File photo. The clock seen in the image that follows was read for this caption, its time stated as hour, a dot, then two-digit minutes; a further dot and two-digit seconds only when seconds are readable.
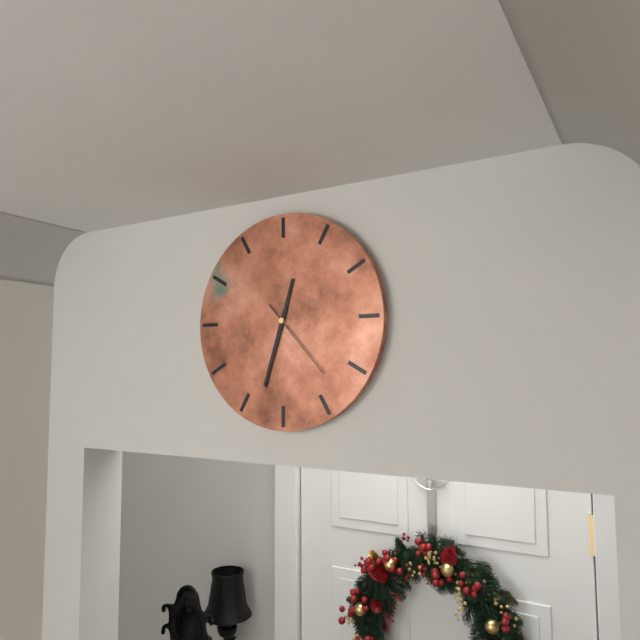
12.33.23
